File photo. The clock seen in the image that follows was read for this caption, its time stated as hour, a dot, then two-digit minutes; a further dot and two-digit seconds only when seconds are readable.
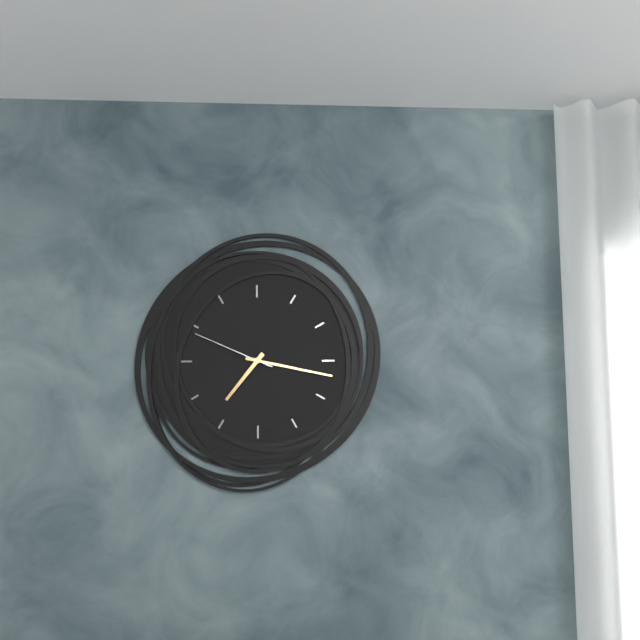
7.17.49
